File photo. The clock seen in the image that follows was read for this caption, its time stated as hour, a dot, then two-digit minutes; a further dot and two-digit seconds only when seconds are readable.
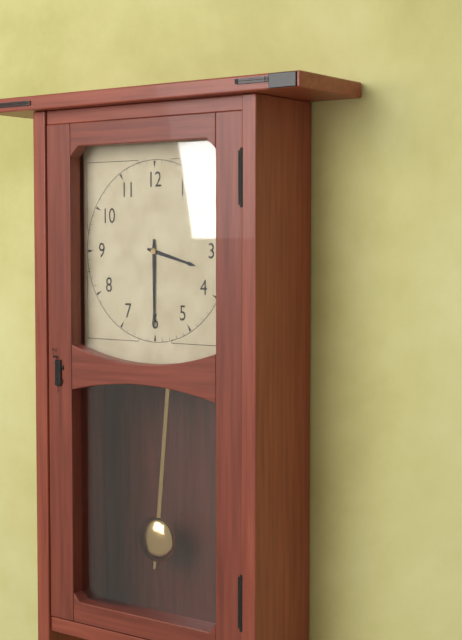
3.30
